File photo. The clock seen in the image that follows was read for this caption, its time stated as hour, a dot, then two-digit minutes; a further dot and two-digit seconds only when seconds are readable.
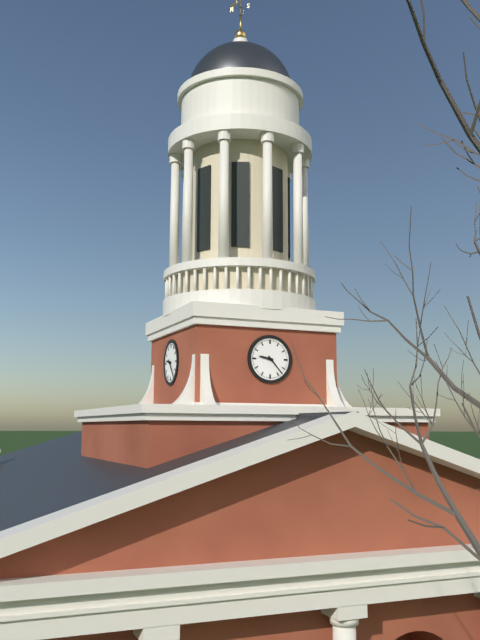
9.23
